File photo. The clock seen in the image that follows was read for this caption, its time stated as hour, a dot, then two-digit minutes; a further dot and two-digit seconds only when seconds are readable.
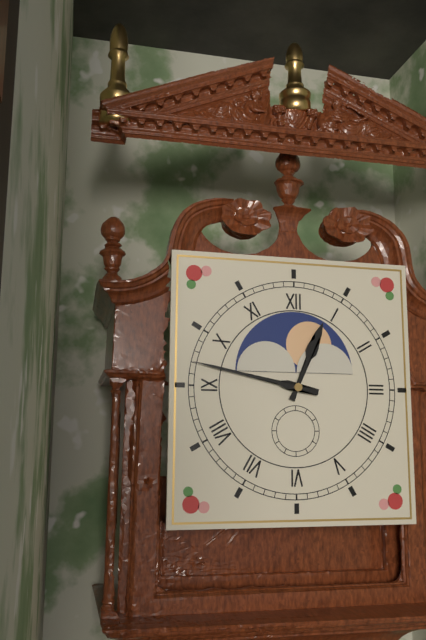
12.47
